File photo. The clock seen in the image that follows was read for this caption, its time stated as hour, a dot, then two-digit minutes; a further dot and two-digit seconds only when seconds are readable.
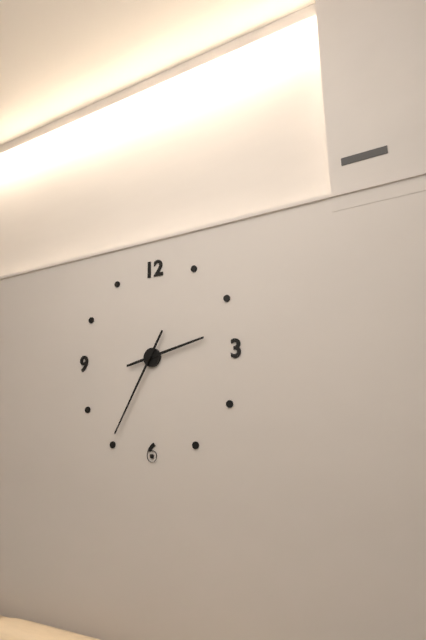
2.35
